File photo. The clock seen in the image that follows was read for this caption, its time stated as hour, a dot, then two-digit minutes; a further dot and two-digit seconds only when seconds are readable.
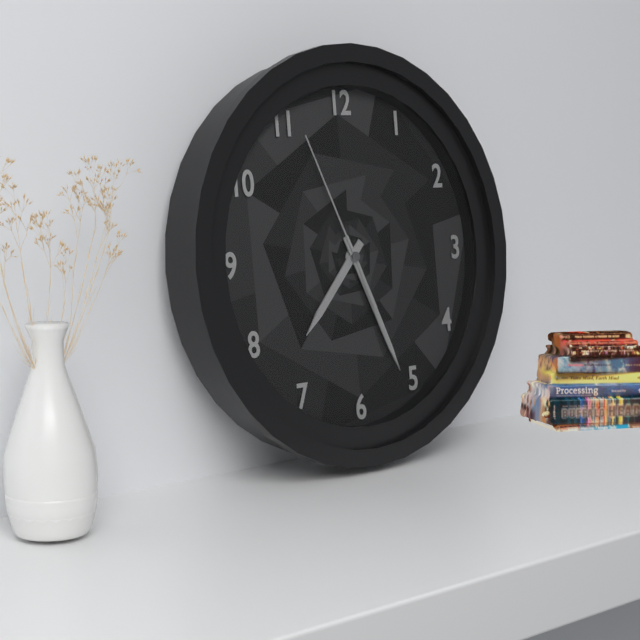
7.26.56
